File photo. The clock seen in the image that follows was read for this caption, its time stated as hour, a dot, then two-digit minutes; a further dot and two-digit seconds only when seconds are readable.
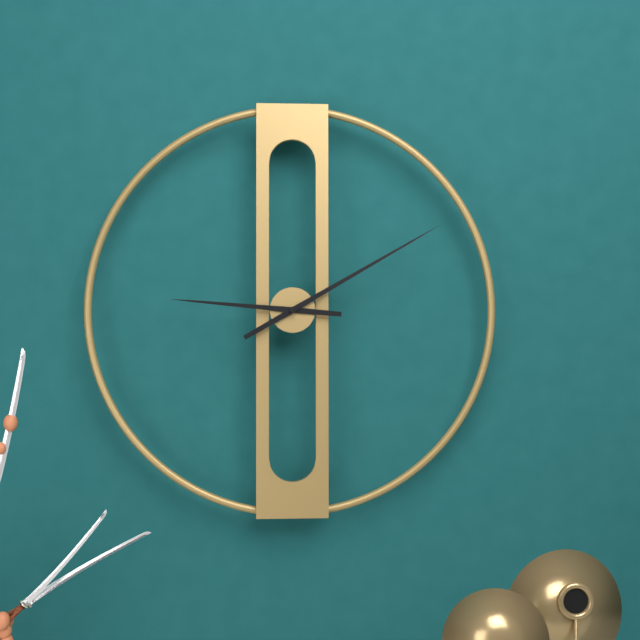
9.10
